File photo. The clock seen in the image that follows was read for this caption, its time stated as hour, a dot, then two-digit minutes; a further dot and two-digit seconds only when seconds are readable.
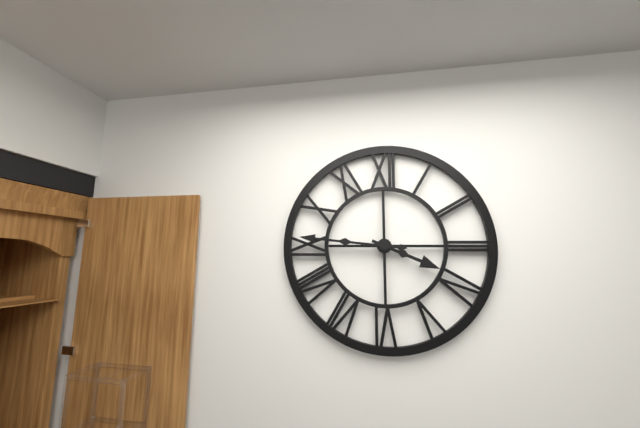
3.46
